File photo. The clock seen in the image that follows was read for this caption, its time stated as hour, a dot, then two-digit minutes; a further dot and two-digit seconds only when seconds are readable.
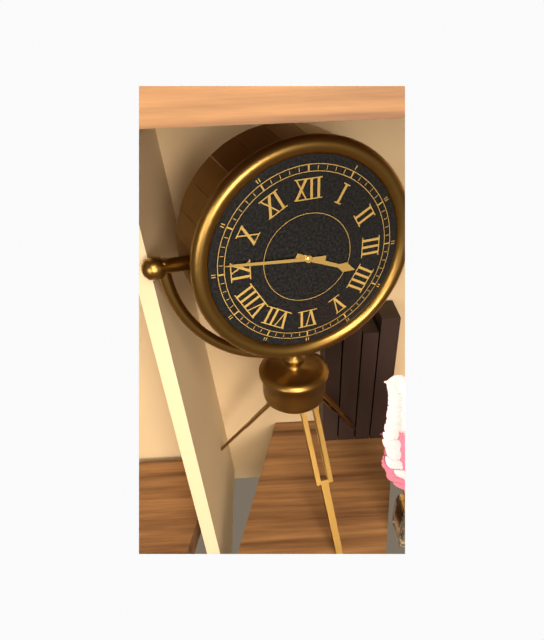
3.46
